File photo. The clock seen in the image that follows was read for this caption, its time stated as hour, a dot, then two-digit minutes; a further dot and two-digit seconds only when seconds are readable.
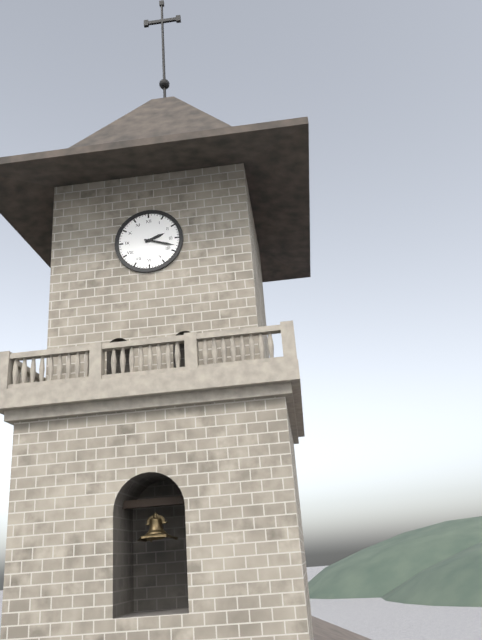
2.18
